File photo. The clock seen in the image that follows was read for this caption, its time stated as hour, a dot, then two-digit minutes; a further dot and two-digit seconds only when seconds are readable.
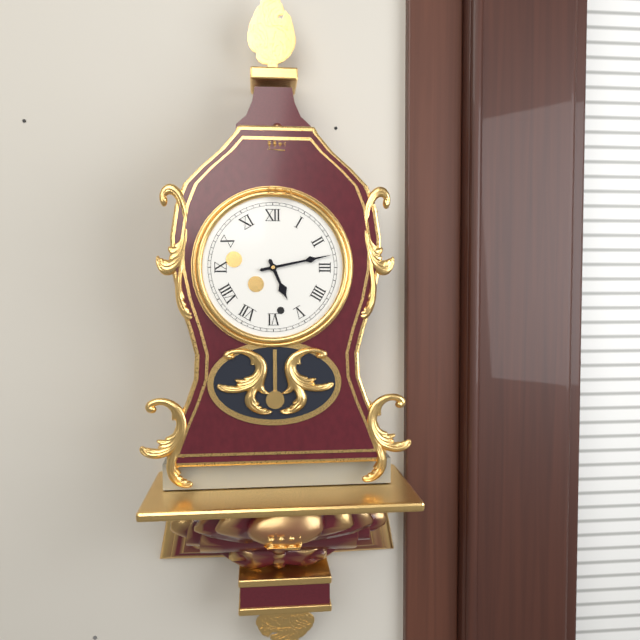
5.13
